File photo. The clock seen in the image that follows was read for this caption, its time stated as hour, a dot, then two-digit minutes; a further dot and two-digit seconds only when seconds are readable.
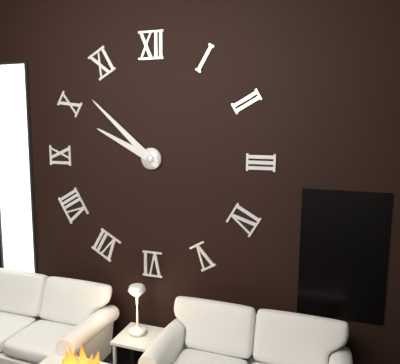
9.52
